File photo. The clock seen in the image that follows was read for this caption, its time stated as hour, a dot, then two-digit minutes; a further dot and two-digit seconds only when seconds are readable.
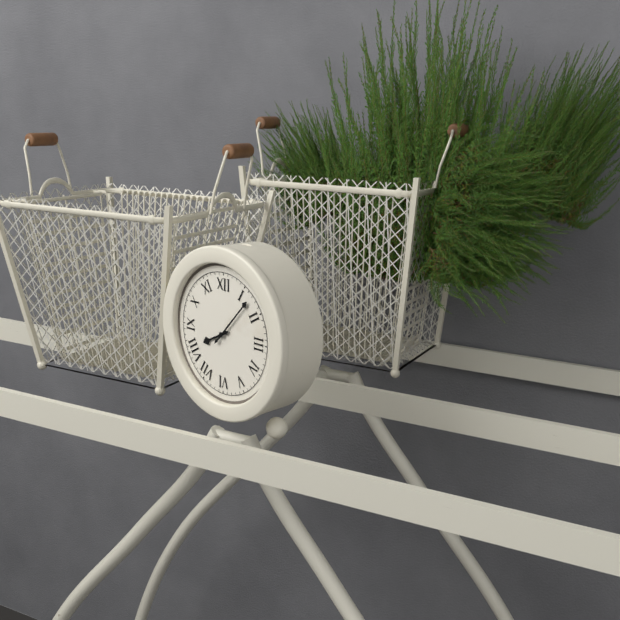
8.07
